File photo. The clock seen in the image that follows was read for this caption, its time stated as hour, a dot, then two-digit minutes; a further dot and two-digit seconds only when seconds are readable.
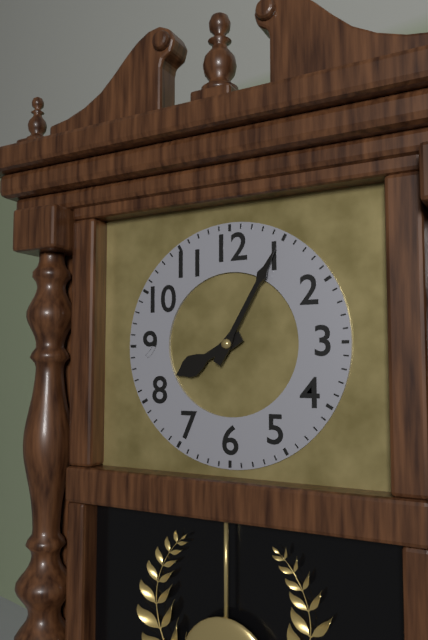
8.05
